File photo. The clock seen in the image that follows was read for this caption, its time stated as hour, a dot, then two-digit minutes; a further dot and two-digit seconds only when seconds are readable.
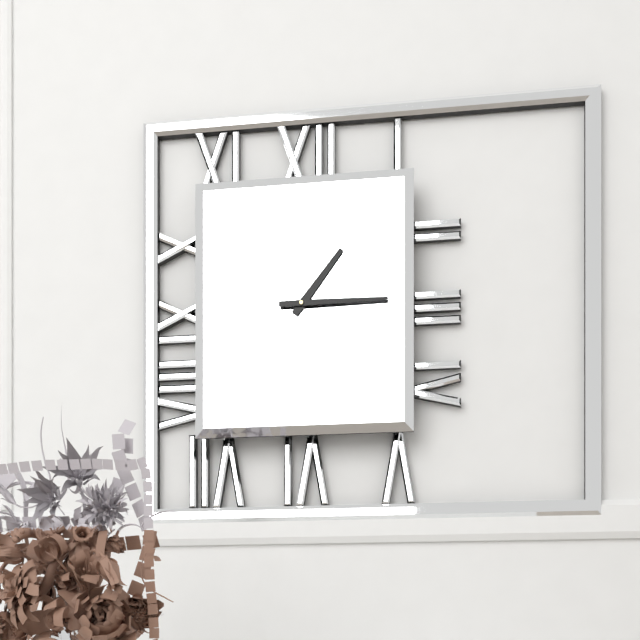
1.15
